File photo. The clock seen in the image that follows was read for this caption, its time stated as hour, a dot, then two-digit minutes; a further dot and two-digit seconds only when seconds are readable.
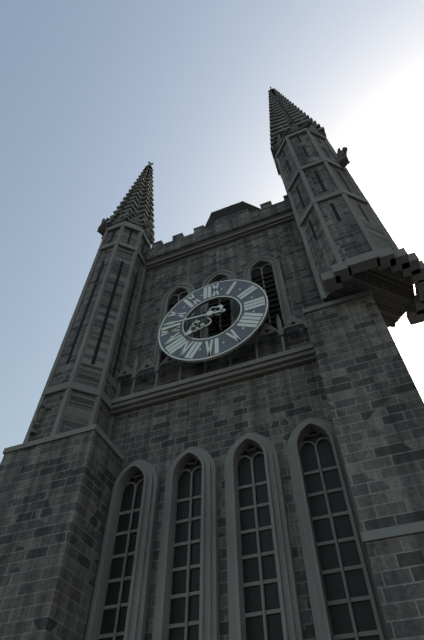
7.46
